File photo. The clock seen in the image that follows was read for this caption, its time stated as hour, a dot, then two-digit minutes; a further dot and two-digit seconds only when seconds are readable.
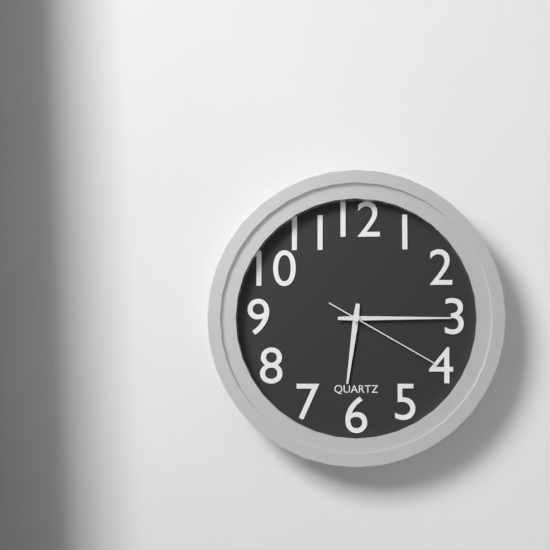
6.15.20
